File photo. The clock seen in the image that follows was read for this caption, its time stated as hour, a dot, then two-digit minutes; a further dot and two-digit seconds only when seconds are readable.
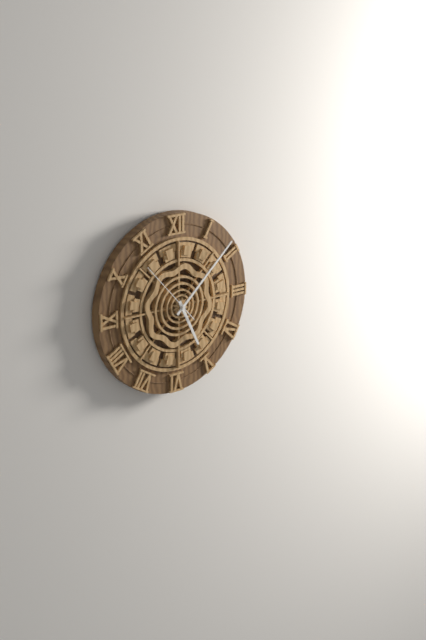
5.08.53
